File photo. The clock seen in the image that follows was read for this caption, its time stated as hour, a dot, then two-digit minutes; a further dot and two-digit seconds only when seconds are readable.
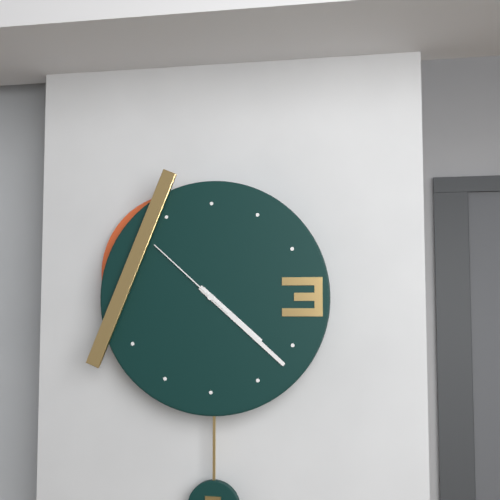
4.22.52
